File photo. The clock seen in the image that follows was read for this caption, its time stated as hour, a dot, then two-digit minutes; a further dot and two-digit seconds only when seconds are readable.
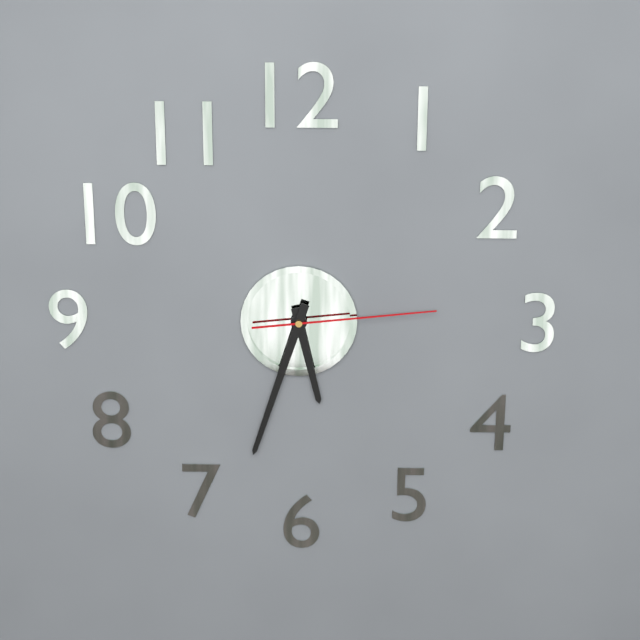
5.33.14
